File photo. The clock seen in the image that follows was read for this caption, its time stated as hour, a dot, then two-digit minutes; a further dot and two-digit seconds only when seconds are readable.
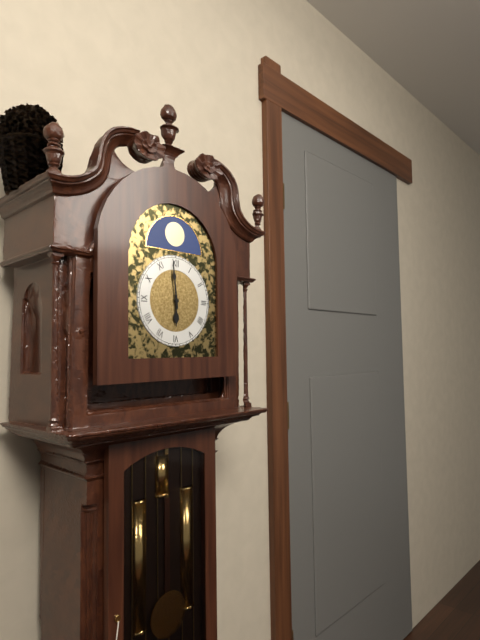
5.59
